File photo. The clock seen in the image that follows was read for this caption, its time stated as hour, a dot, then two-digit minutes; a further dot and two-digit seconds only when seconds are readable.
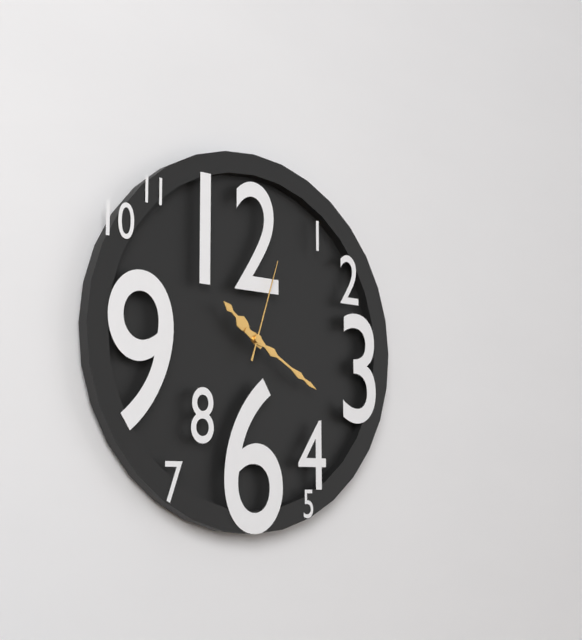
10.20.03
